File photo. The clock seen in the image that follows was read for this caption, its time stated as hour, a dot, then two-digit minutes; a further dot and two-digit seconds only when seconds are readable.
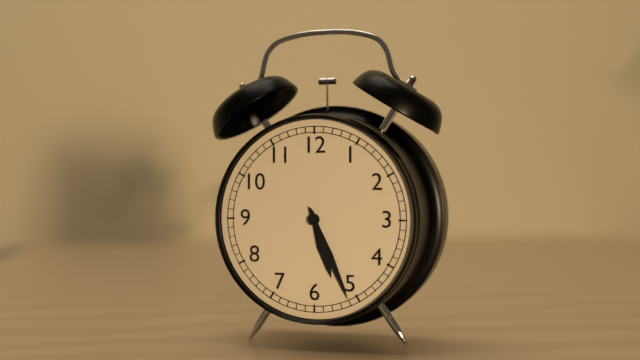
5.26
